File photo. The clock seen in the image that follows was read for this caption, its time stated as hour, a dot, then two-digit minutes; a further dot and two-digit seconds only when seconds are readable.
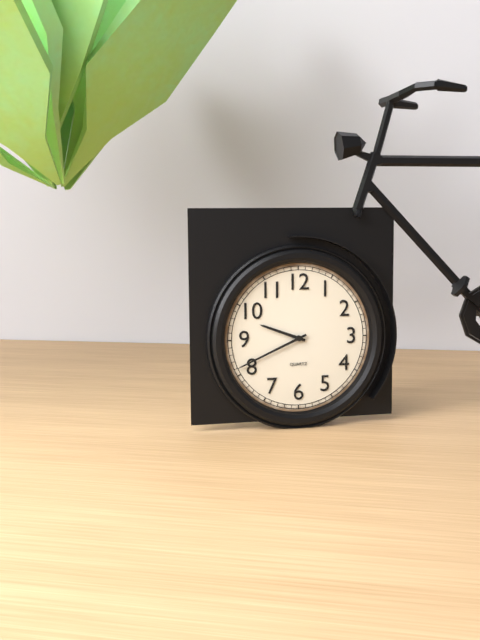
9.41
